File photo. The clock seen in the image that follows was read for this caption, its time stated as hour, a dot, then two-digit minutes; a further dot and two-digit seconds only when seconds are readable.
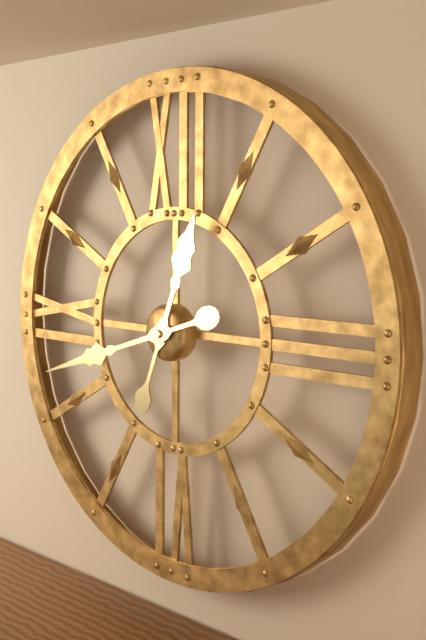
12.42
